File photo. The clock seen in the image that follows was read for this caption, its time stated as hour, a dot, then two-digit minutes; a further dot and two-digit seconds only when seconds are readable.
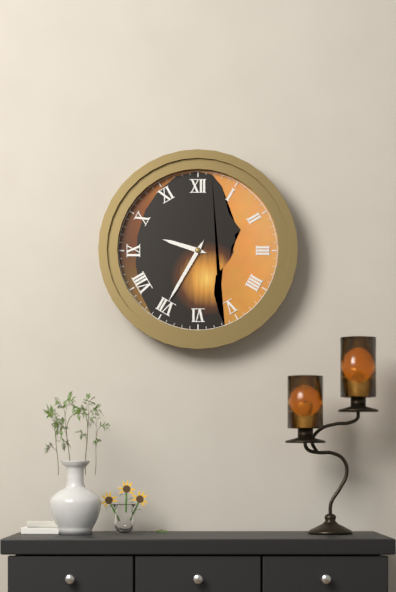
9.35
